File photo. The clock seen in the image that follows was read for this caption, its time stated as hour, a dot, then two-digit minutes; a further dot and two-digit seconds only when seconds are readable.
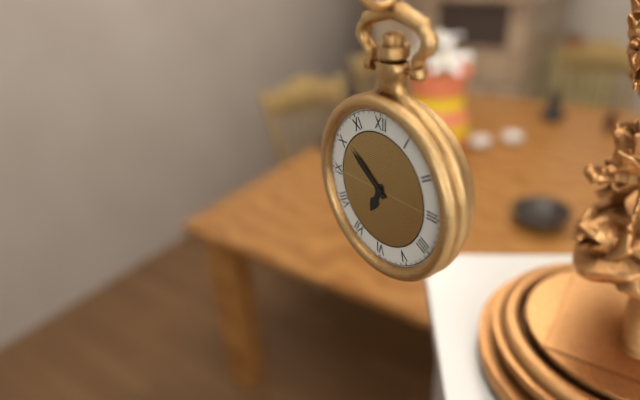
6.51
